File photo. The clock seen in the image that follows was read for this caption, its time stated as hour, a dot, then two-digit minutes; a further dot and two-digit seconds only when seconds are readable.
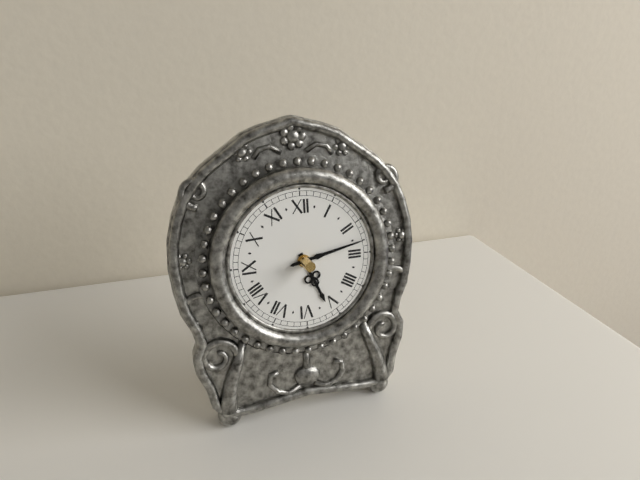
5.13
